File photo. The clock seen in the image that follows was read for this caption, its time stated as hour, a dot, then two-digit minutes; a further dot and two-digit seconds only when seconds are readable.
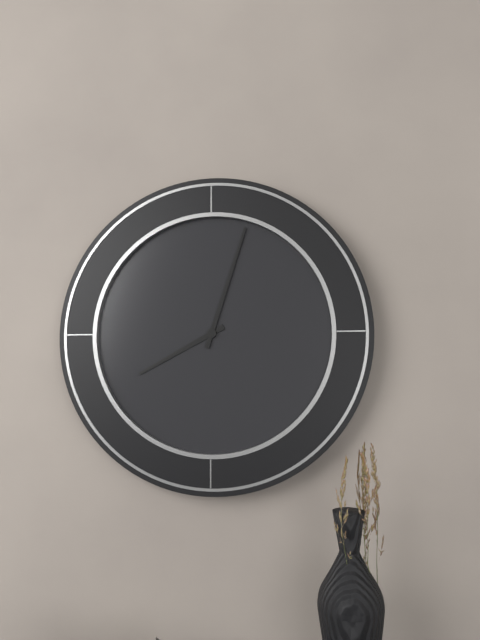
8.03
